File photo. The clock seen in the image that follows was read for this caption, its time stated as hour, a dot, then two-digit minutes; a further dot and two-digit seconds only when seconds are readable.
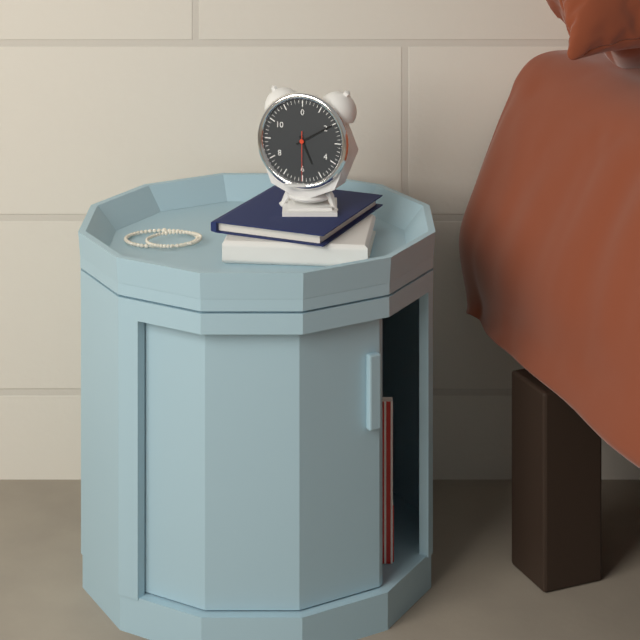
5.10.30
